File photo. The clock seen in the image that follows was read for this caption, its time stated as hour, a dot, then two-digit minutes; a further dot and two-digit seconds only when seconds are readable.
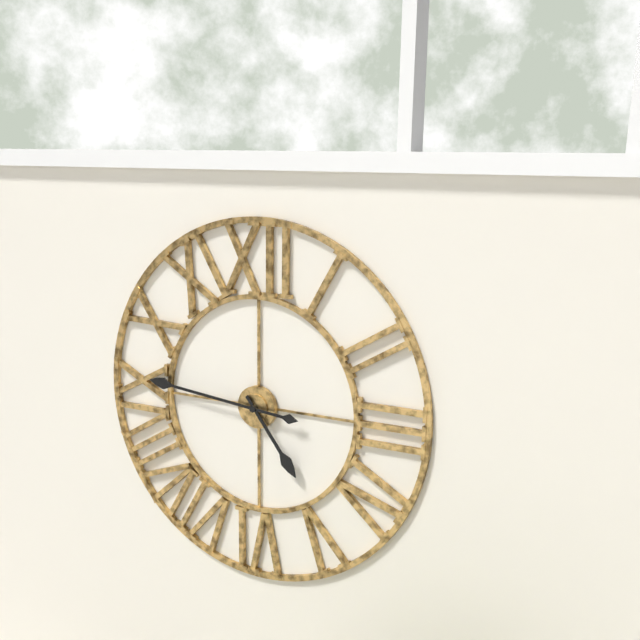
4.46
